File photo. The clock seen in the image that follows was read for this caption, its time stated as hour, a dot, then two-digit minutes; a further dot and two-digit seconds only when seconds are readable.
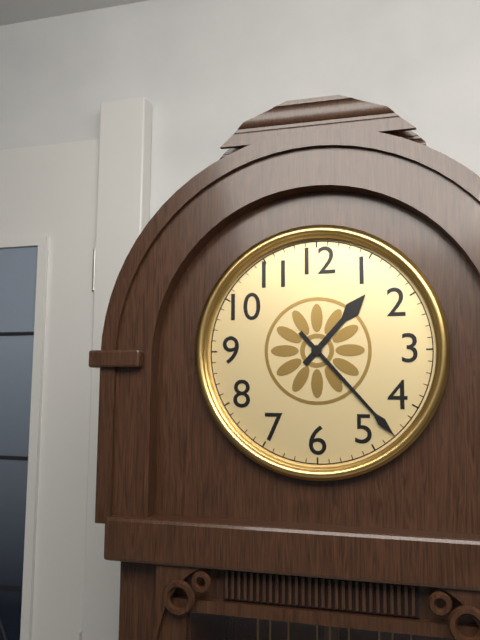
1.23
